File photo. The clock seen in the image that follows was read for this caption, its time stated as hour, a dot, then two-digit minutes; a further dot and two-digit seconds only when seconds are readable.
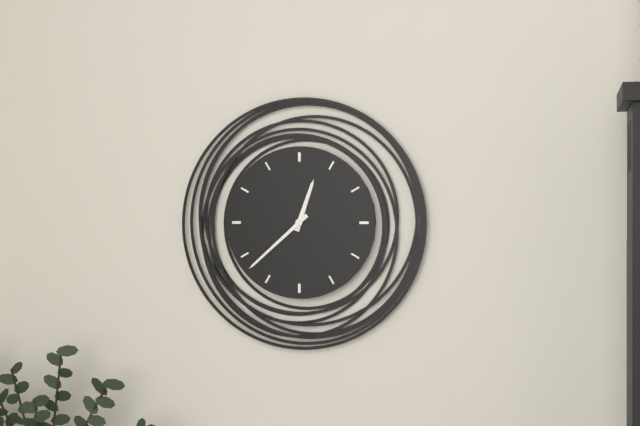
12.38
